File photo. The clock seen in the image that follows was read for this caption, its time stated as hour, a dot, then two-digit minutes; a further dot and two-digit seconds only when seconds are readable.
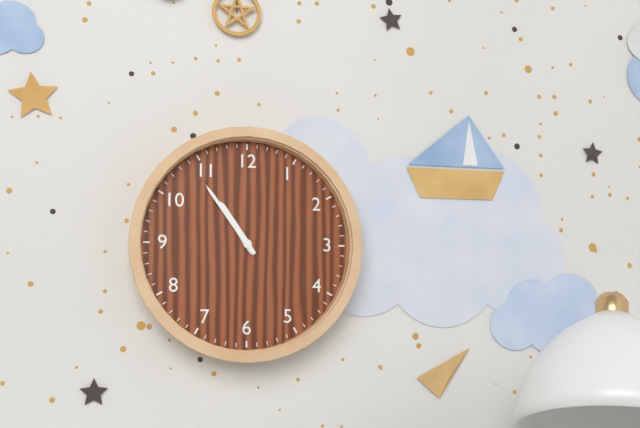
10.54
